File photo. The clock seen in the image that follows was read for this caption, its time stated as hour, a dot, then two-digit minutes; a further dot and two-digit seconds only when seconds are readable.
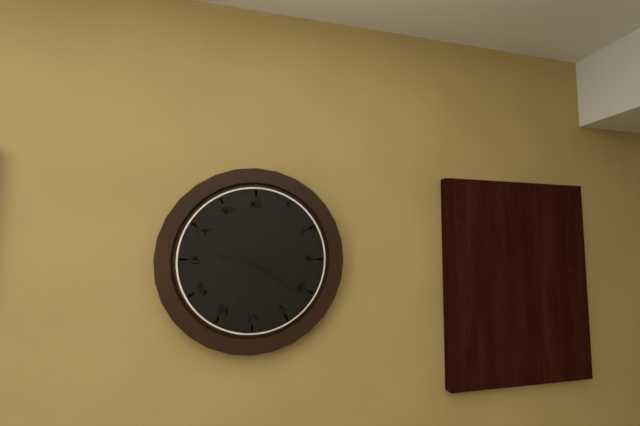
9.21
